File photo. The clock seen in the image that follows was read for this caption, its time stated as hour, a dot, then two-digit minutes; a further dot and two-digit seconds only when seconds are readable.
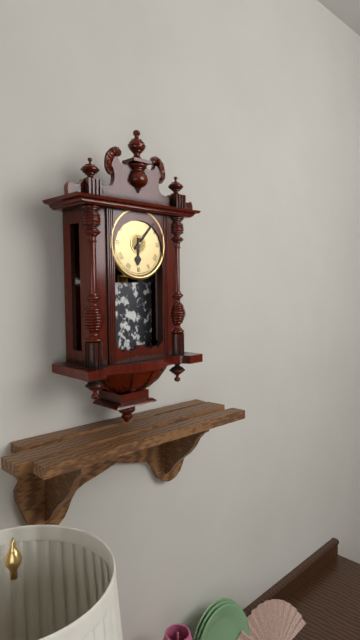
6.07
